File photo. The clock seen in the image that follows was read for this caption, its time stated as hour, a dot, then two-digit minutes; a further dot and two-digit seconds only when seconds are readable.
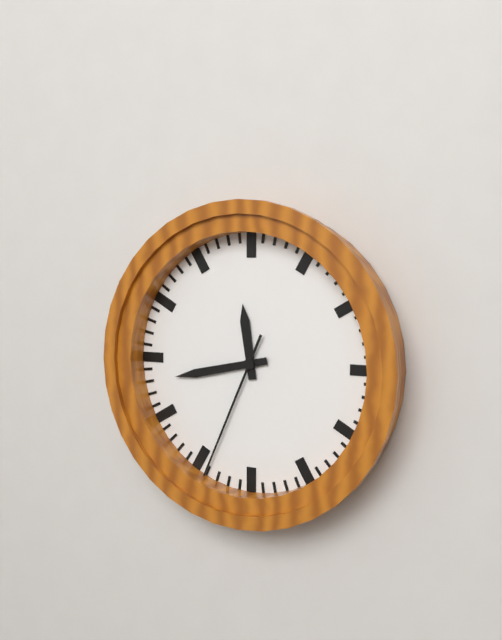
11.43.34
